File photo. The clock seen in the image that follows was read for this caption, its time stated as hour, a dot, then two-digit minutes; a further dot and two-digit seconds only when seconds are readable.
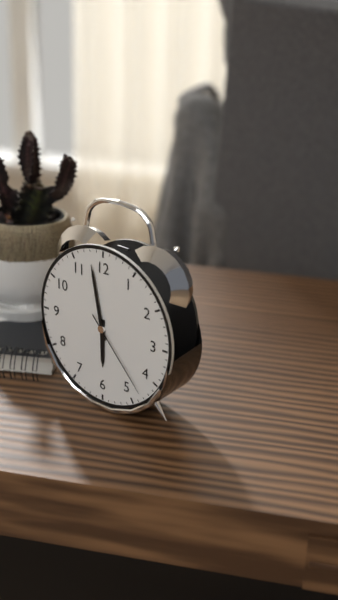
5.58.23
